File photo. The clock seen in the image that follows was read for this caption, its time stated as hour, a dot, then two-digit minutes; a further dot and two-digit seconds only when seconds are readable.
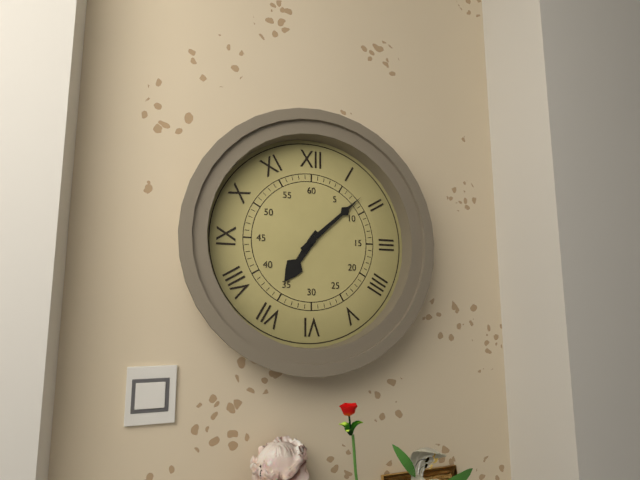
7.08
